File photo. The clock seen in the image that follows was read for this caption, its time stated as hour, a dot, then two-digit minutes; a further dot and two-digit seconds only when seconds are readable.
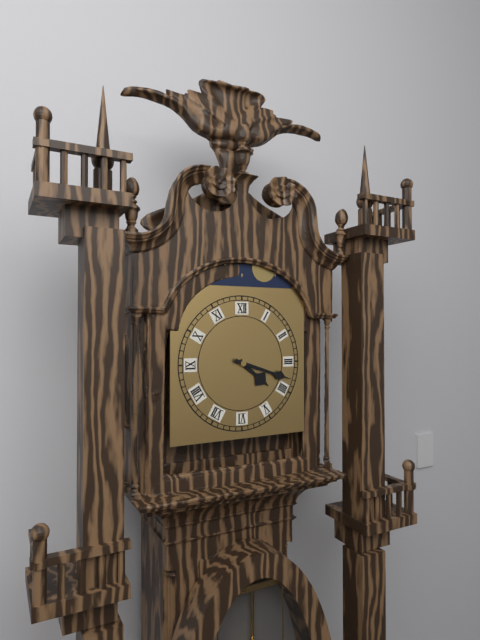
4.18
